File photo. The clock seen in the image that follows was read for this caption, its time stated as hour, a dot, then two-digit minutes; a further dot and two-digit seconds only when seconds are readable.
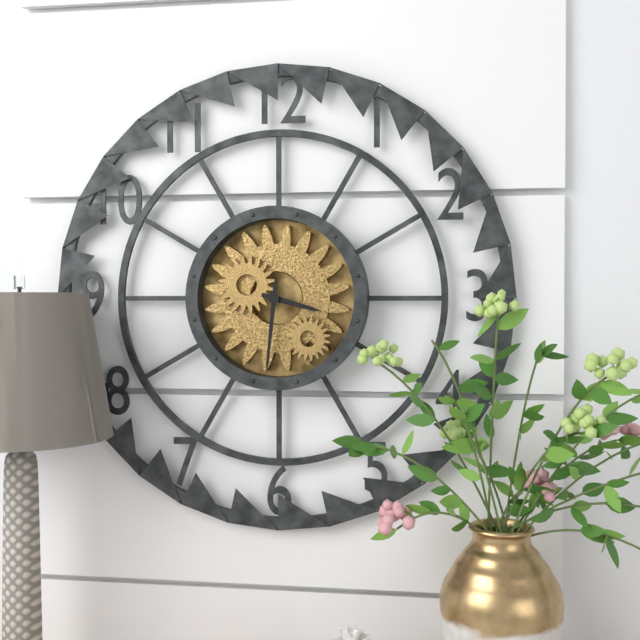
3.31
